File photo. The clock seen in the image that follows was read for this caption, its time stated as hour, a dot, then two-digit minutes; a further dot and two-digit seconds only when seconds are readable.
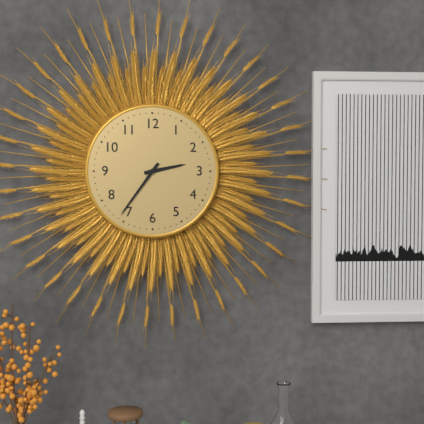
2.36
